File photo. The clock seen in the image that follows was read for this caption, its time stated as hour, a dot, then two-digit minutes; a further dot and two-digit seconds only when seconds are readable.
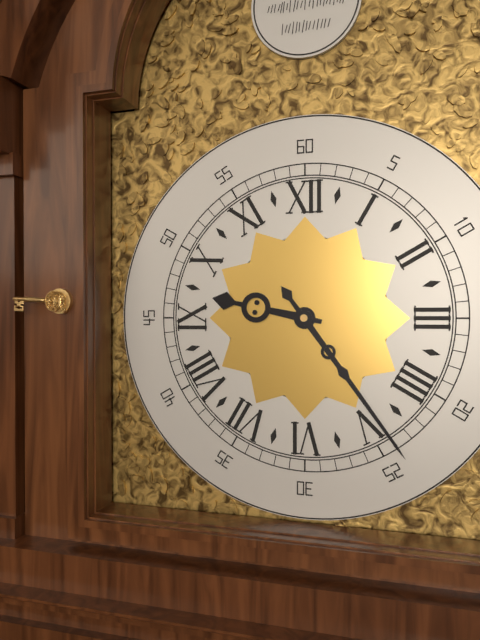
9.24
